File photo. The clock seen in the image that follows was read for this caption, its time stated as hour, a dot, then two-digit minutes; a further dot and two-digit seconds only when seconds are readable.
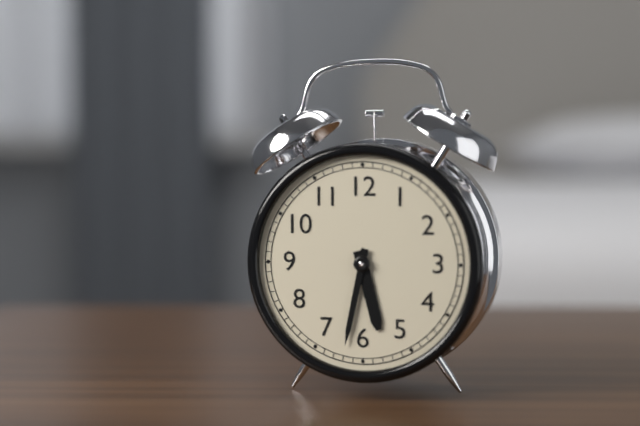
5.32
